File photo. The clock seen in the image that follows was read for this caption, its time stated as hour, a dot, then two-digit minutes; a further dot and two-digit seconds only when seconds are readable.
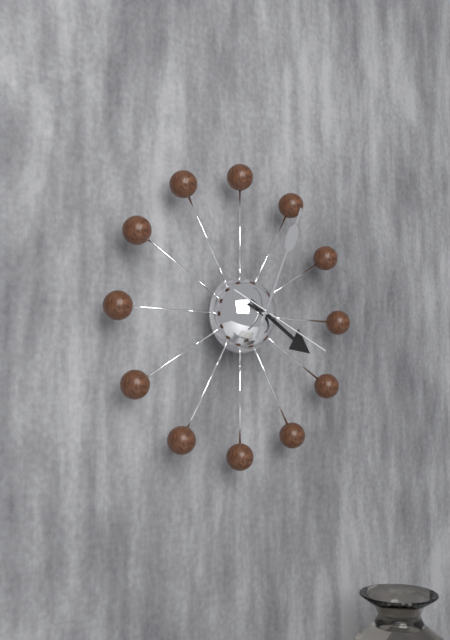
4.04.19
